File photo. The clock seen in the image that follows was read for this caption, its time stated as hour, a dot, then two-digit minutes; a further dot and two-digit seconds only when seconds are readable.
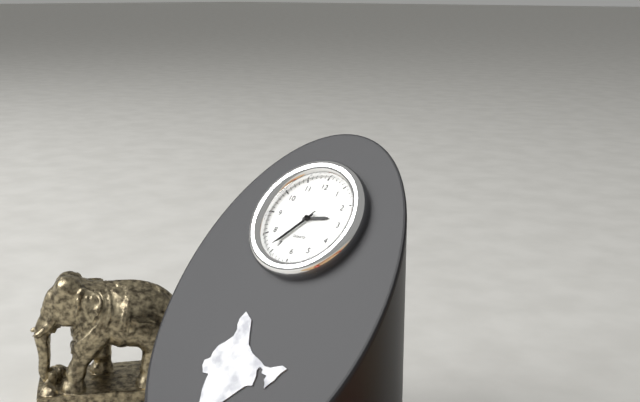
2.36.36
